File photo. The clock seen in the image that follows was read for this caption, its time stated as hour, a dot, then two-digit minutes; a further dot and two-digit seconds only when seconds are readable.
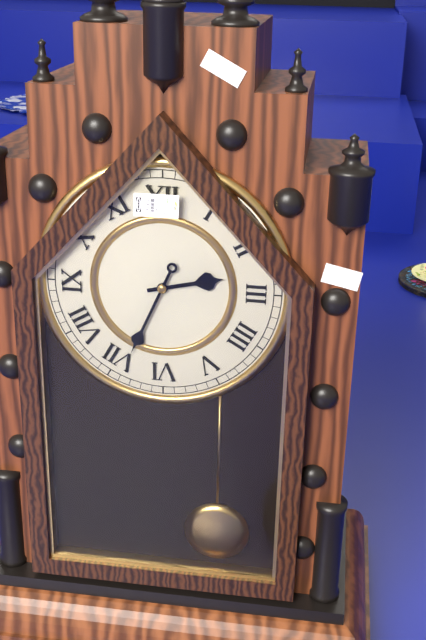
2.34
